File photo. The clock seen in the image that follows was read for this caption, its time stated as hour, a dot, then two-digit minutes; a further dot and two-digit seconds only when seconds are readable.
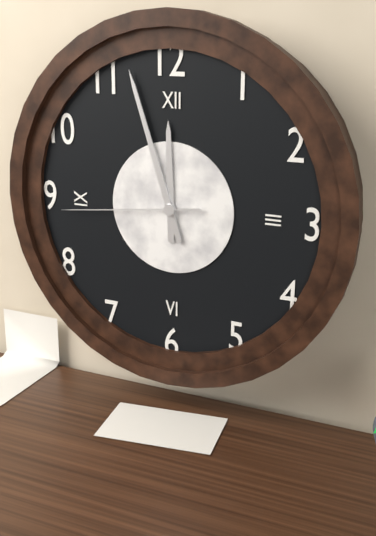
11.57.44
